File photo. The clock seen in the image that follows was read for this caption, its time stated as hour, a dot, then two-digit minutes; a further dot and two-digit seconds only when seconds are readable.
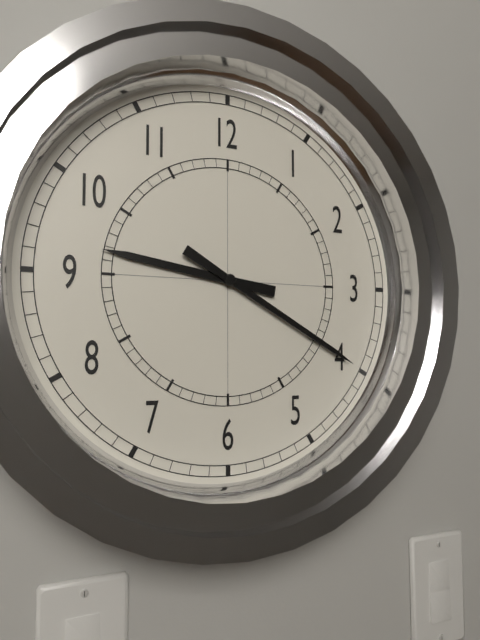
9.20
